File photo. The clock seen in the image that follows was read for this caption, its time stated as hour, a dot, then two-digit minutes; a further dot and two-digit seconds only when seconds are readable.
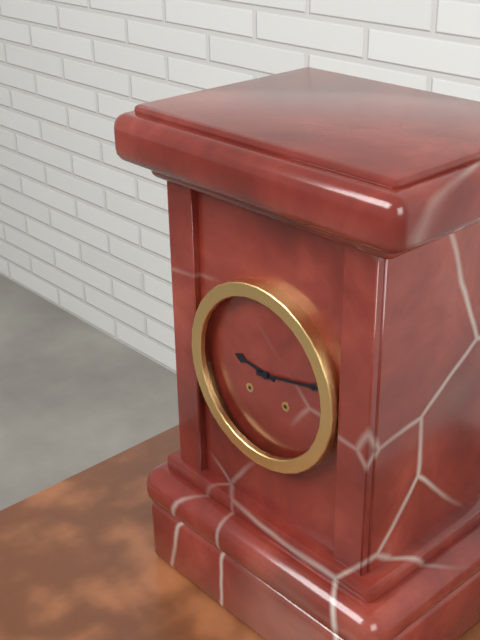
9.13
